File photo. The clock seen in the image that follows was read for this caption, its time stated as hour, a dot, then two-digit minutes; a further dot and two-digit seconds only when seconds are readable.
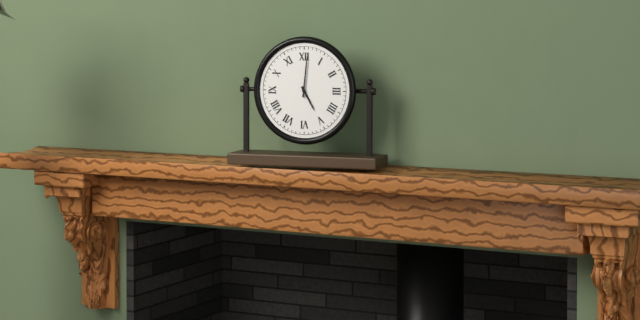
5.01
